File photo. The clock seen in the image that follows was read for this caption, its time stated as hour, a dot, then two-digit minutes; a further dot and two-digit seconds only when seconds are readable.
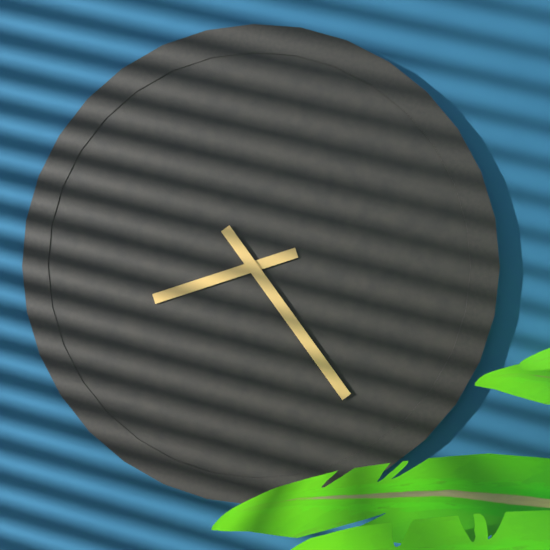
8.24
